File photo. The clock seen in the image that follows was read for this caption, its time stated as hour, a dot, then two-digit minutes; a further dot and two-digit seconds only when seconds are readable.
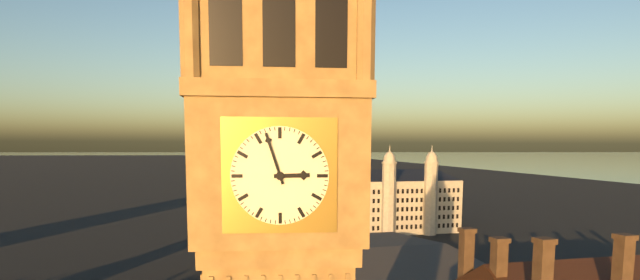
2.57
